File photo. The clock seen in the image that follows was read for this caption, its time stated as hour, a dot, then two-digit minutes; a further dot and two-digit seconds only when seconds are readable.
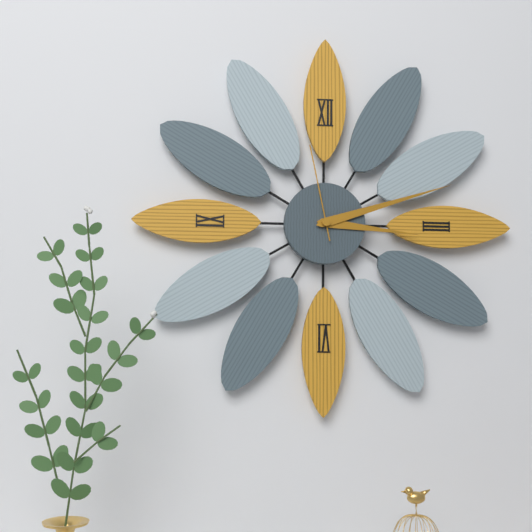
3.12.58
